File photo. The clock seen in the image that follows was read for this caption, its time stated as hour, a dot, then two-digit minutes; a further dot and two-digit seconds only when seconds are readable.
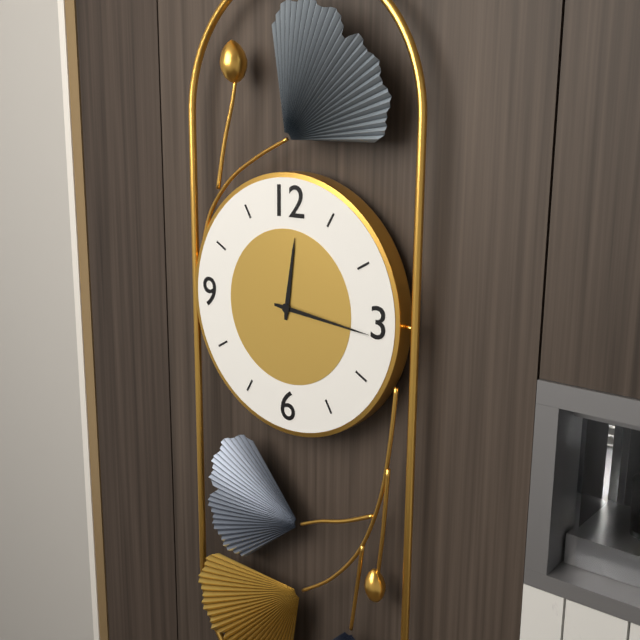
12.16
